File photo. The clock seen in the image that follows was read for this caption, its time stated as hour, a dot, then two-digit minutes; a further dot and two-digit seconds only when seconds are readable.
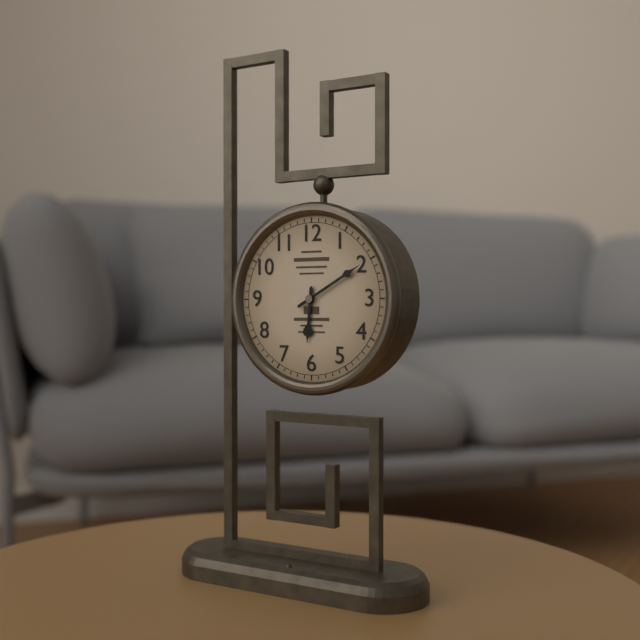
6.10
